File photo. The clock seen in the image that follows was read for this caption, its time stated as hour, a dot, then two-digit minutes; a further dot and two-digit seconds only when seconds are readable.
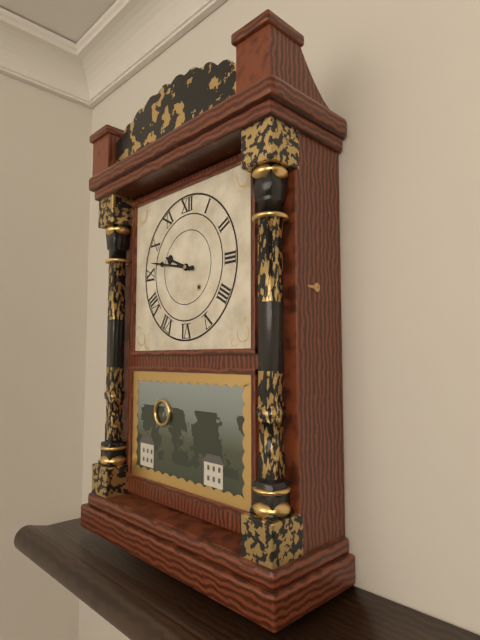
9.47
